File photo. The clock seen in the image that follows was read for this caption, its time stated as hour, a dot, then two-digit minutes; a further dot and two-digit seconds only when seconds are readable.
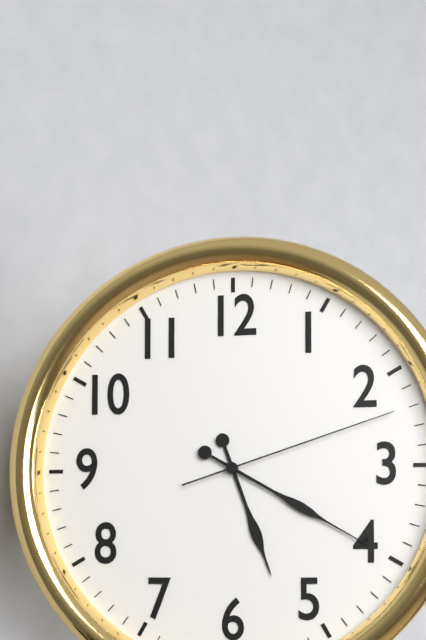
5.20.12
